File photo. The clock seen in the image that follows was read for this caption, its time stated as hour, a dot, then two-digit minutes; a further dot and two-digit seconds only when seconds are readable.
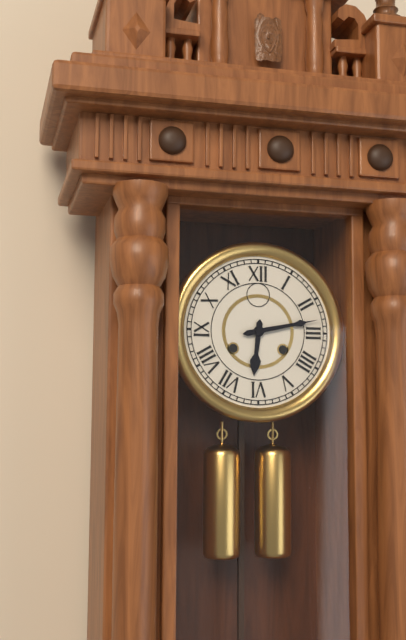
6.13
